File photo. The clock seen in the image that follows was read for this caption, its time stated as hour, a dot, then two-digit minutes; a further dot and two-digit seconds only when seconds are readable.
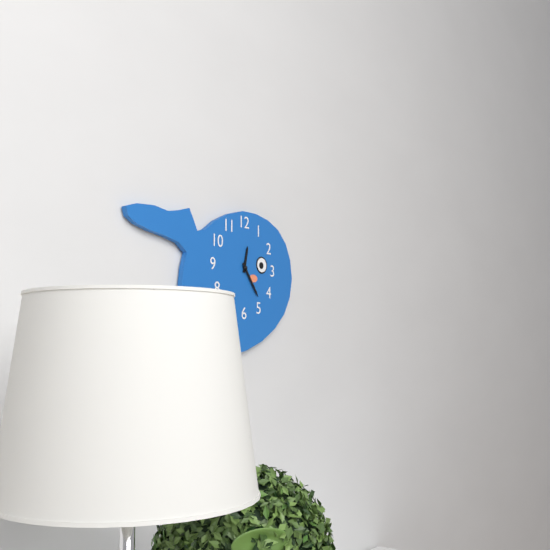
12.24
